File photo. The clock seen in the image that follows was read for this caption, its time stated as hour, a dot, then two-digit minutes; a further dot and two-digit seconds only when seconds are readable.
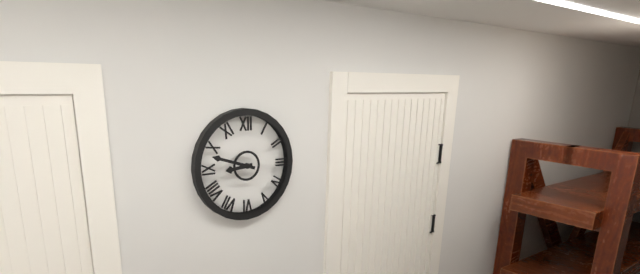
8.48
